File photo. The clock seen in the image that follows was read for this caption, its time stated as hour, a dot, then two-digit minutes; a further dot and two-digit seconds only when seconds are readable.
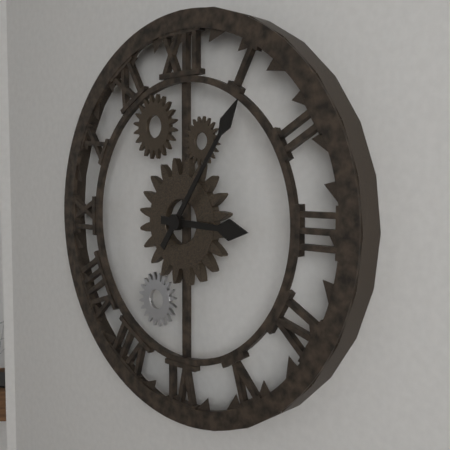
3.06
